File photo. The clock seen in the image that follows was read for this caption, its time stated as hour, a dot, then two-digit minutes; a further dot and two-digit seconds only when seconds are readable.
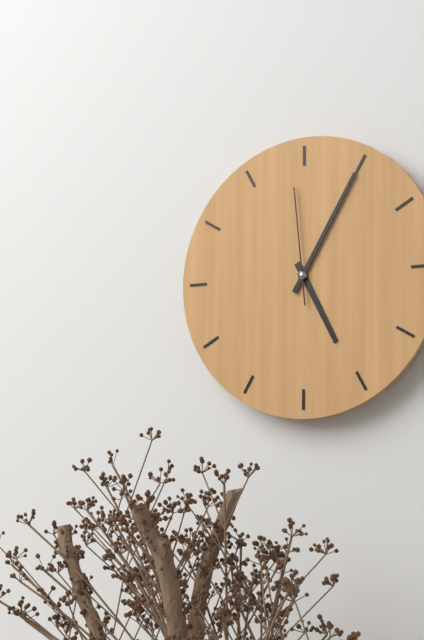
5.05.59
